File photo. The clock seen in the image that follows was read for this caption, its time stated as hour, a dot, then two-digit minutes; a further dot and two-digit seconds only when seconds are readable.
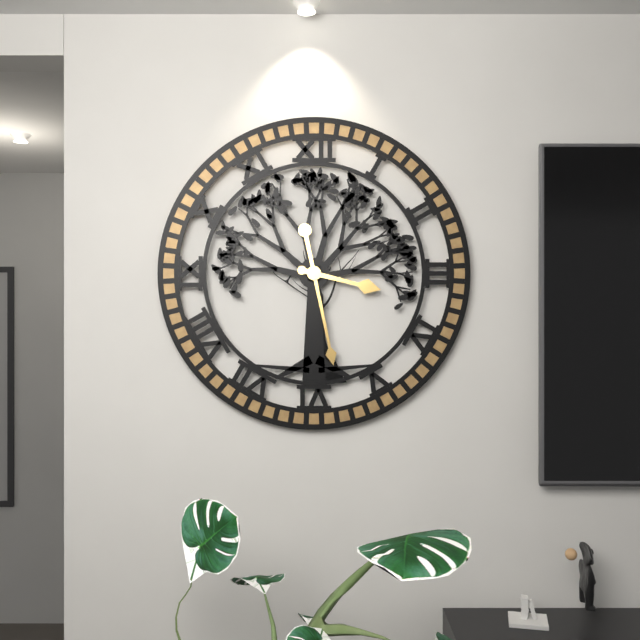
3.28
